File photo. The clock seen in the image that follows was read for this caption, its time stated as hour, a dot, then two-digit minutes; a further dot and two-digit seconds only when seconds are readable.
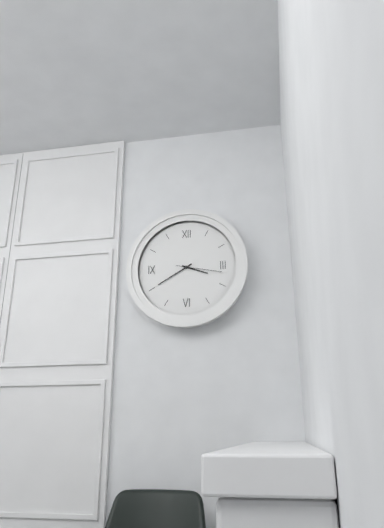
3.40
